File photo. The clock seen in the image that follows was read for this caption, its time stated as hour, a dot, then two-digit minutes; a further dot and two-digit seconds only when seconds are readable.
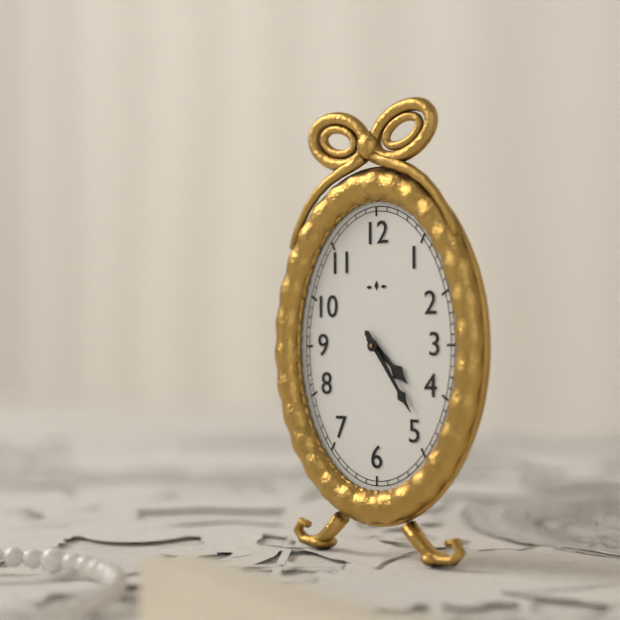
4.24
